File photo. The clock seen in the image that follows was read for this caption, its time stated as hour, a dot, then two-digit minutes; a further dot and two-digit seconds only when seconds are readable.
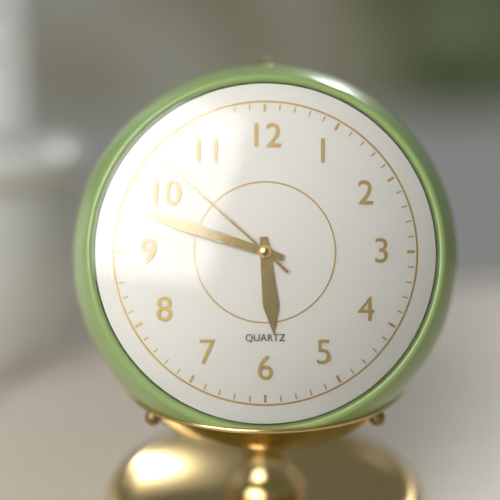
5.48.52
